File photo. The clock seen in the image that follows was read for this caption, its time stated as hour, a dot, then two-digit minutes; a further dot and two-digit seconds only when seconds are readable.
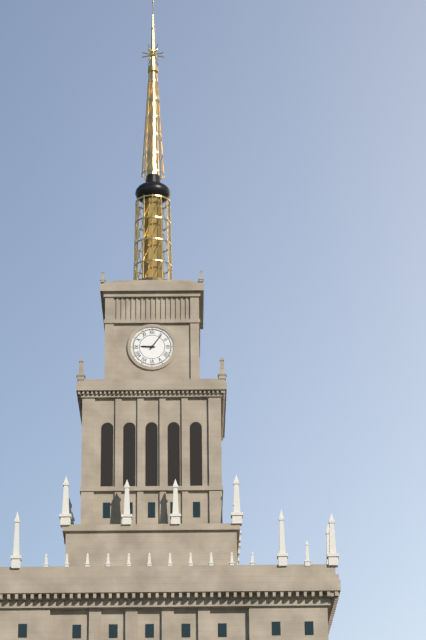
9.06
